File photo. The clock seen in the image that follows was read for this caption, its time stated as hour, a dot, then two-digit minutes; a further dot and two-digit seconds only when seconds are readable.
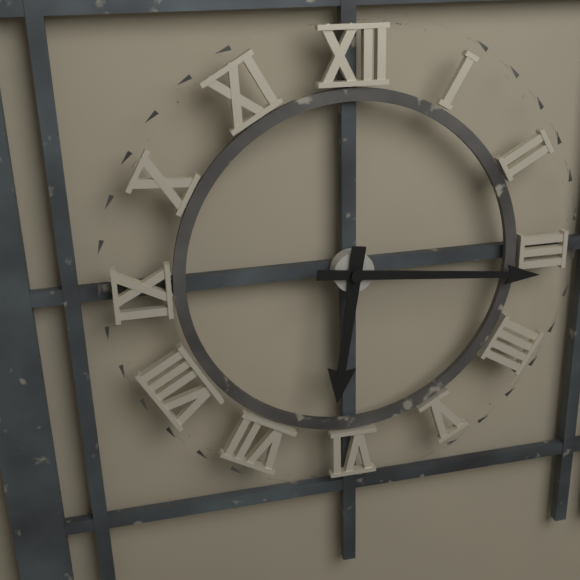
6.16
